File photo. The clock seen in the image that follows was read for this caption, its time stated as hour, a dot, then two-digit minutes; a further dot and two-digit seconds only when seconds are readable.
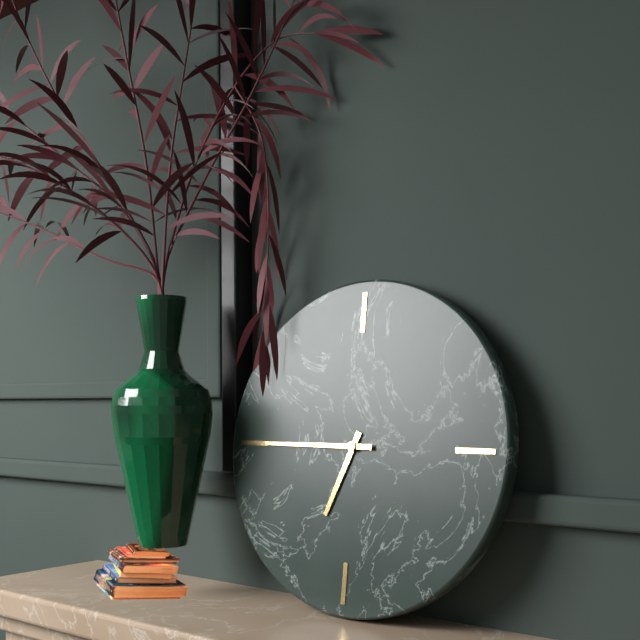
6.45
